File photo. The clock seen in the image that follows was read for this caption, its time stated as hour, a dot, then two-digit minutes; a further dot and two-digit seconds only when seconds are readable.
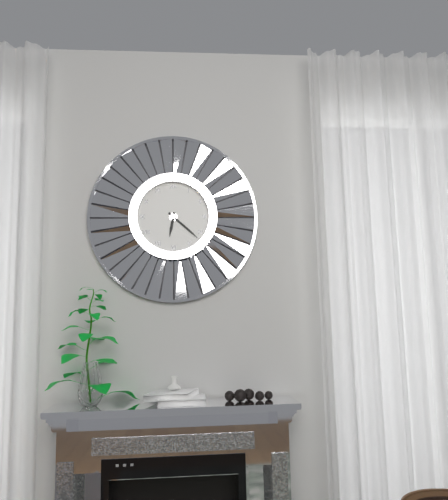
6.22
